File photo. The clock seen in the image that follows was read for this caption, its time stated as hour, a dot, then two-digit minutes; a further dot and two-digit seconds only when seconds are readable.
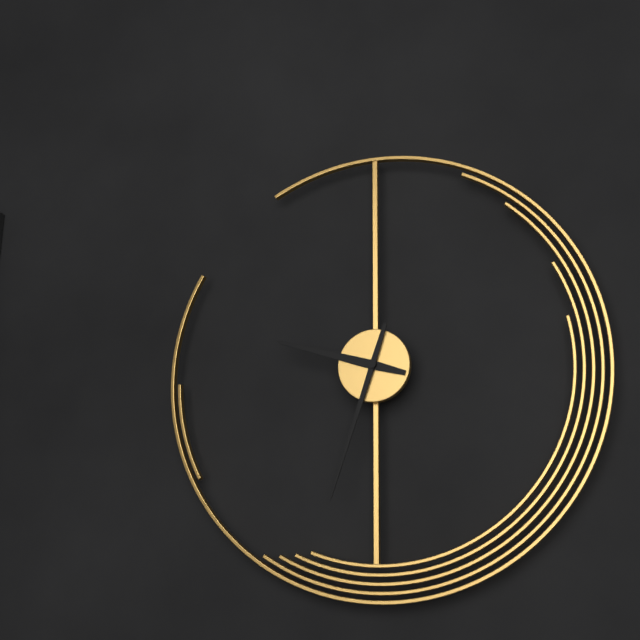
9.33
